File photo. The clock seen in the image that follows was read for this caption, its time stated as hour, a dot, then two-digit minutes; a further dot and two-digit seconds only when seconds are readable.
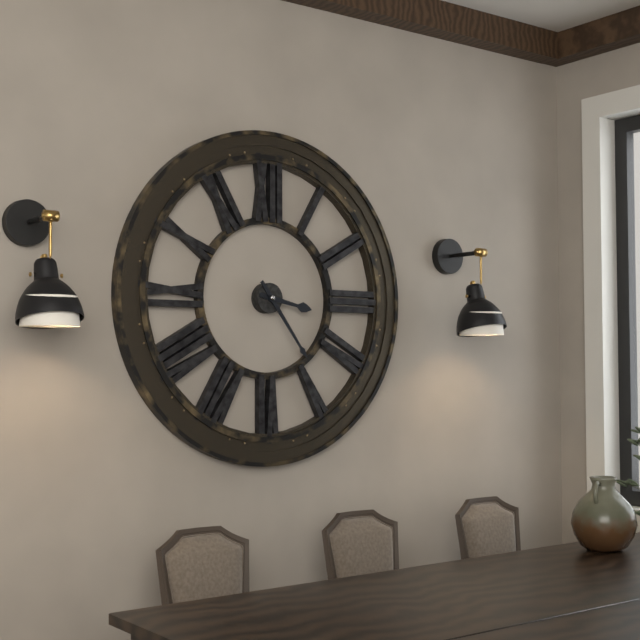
3.24
